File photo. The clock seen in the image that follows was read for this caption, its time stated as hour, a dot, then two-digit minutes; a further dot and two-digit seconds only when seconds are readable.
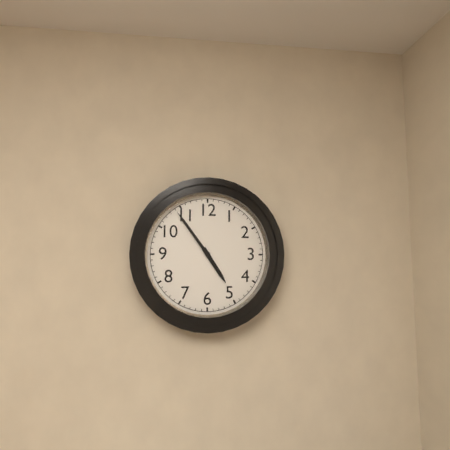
4.54
